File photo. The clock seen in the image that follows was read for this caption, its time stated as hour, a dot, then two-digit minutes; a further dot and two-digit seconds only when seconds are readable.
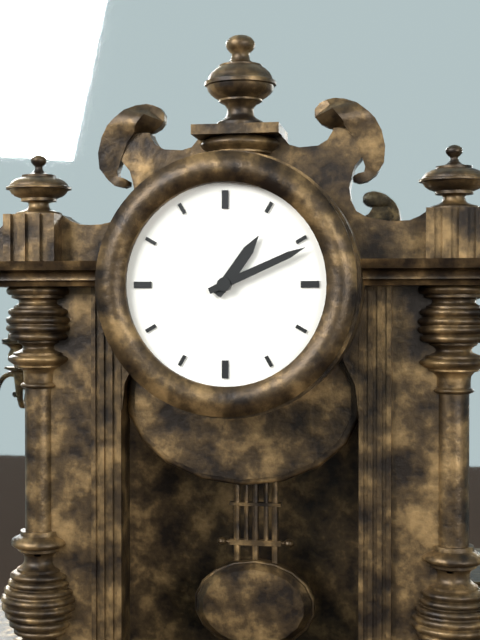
1.11
